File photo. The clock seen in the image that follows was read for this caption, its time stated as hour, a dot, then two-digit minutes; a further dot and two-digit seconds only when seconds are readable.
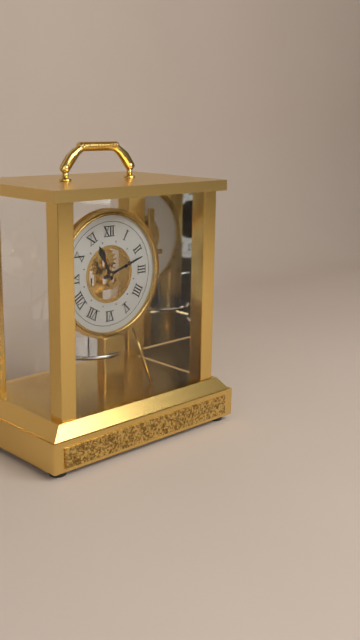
11.12
